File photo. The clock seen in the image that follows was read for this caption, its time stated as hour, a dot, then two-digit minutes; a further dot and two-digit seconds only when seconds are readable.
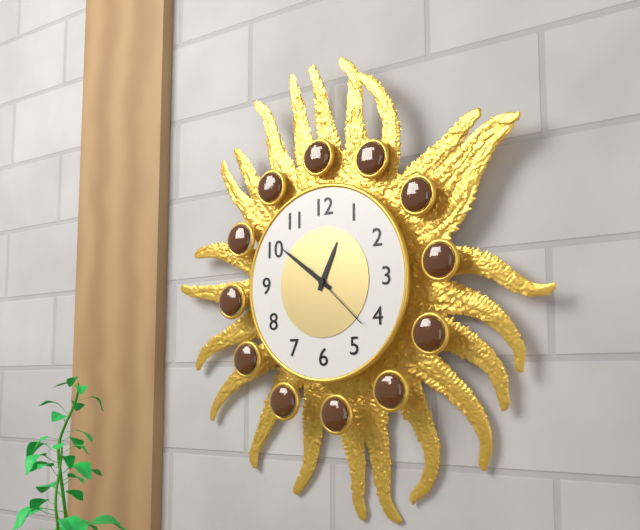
12.51.22
